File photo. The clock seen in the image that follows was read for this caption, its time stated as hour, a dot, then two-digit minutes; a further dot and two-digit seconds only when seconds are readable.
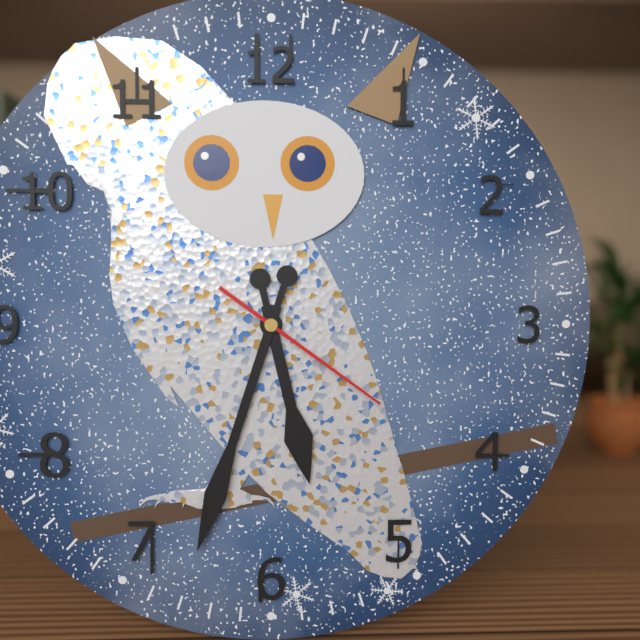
5.33.21
